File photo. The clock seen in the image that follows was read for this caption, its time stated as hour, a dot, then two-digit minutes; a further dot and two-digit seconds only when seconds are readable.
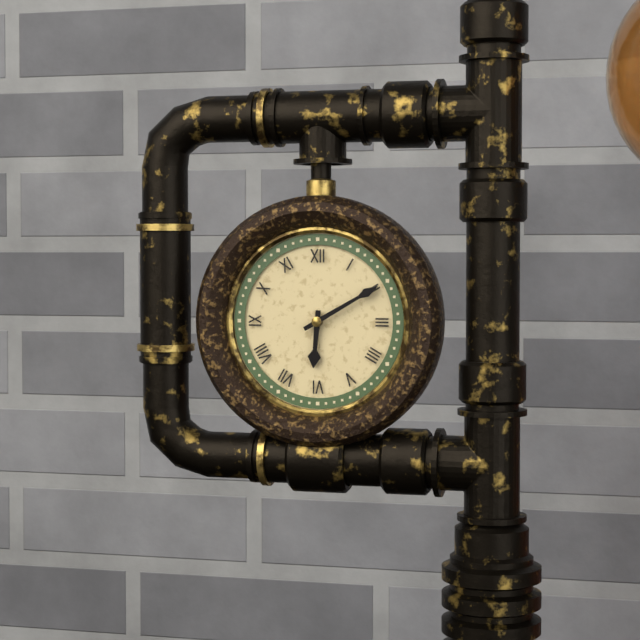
6.10
